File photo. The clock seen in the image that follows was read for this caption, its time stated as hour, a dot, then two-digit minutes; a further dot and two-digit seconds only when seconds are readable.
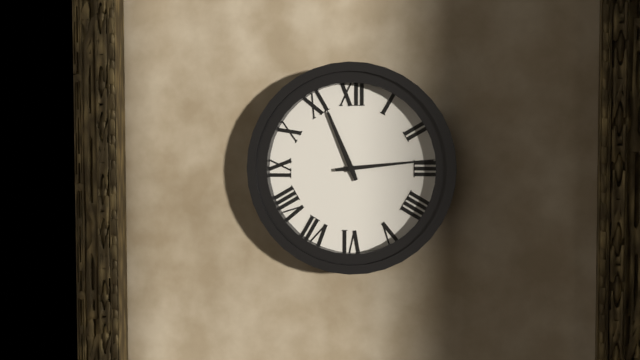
11.14
